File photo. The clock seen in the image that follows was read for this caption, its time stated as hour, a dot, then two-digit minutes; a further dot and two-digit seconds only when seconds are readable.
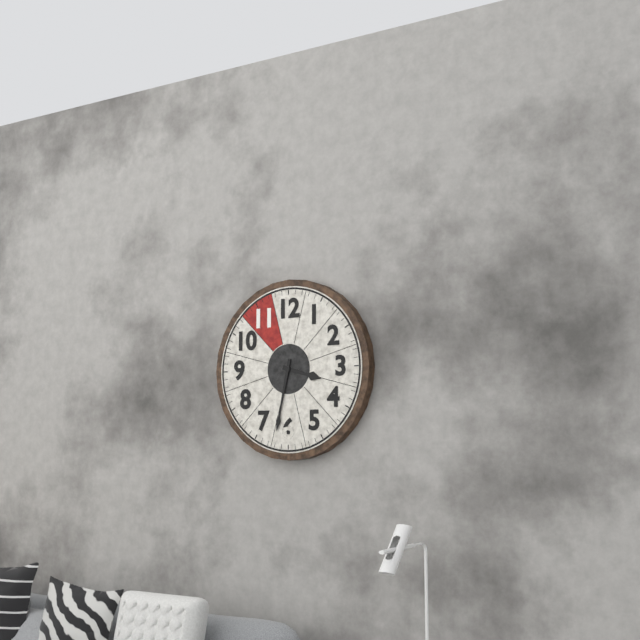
3.32
